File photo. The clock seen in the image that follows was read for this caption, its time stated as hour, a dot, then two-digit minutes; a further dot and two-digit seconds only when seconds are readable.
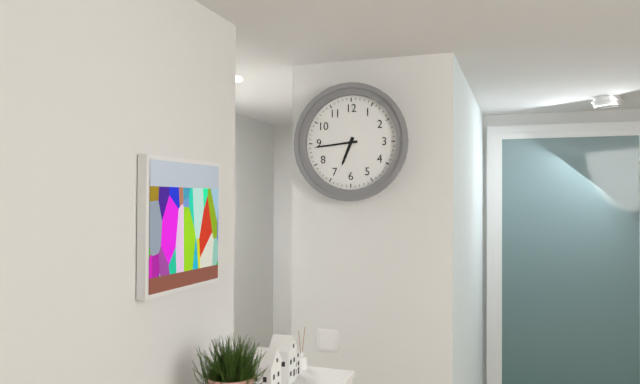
6.44
